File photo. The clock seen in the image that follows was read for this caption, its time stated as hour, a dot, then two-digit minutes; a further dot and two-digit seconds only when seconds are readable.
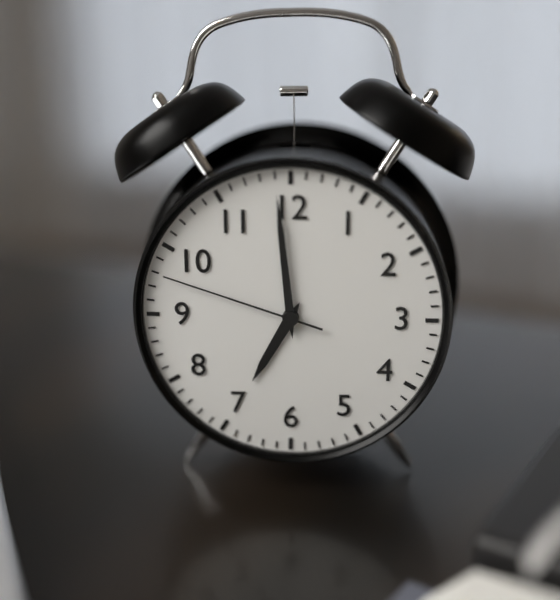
6.59.48
